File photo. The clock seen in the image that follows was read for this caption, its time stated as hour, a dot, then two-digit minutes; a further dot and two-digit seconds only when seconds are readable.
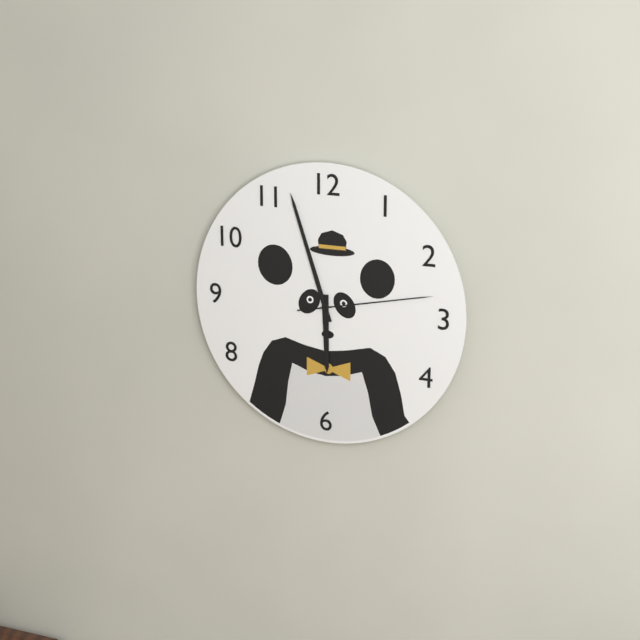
5.57.13
